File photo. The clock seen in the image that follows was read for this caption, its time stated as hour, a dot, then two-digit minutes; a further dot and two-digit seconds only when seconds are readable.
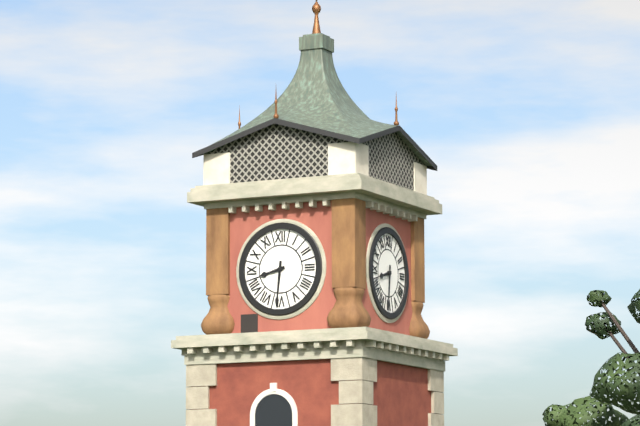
8.31
